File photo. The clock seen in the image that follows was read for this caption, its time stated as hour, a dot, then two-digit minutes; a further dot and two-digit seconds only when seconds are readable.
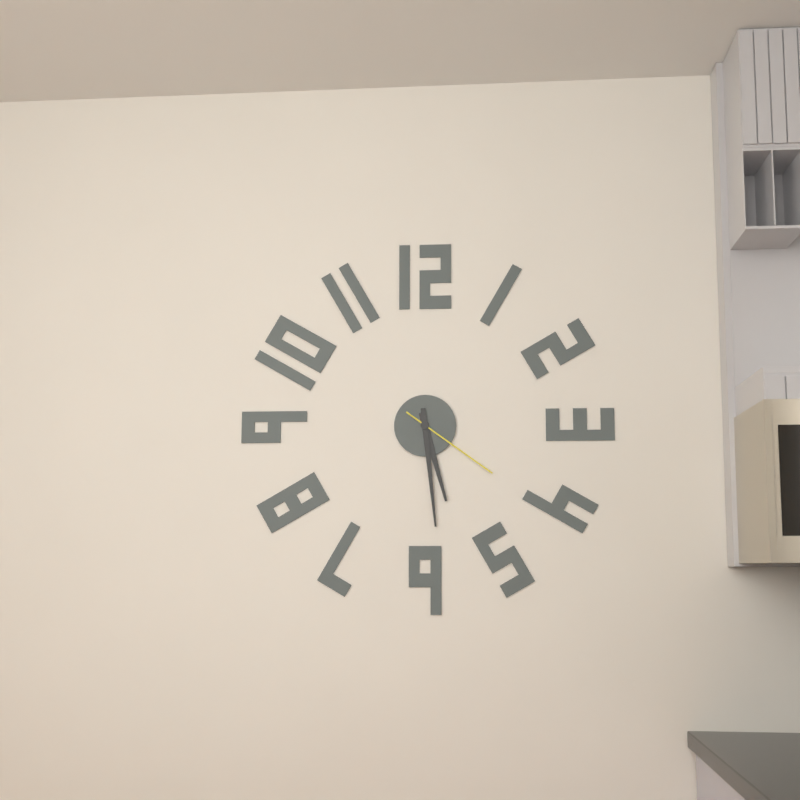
5.29.21
